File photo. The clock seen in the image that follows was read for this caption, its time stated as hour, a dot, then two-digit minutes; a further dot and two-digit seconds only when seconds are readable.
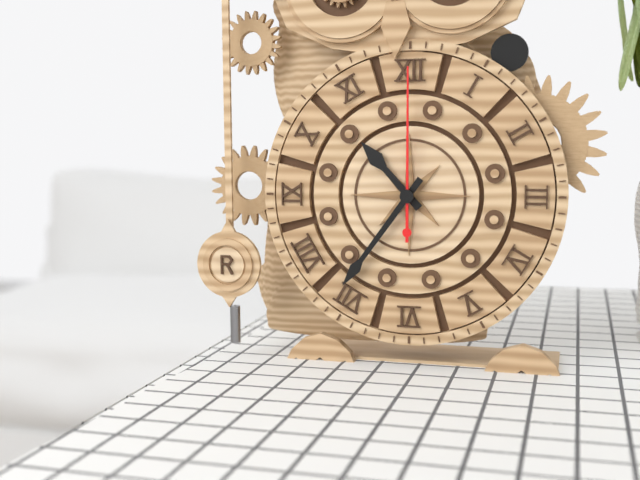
10.36.00
